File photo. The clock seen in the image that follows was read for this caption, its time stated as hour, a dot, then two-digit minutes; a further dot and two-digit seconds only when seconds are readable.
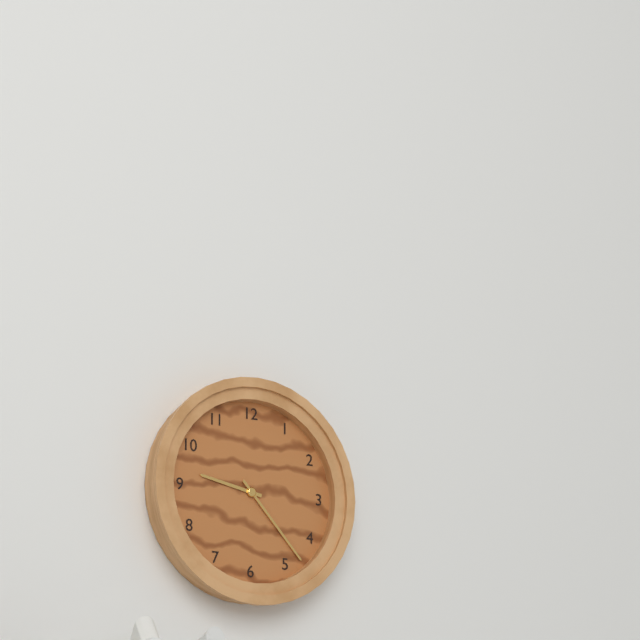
9.23
